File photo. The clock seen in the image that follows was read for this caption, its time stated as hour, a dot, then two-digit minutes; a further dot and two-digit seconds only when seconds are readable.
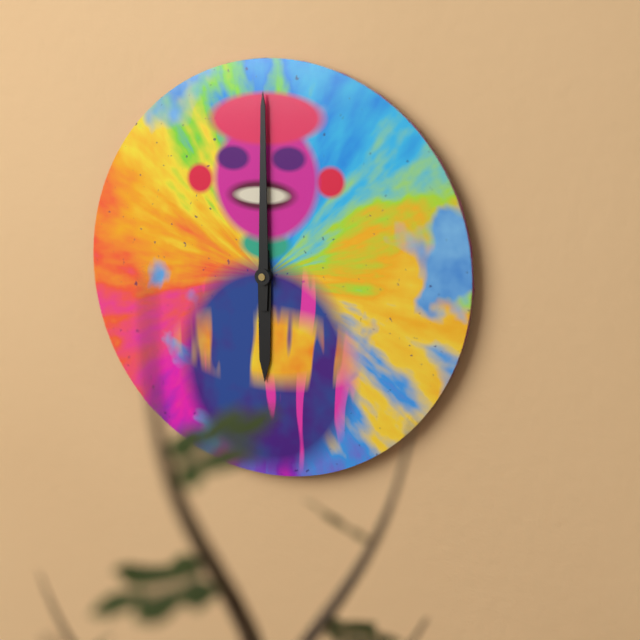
6.00
